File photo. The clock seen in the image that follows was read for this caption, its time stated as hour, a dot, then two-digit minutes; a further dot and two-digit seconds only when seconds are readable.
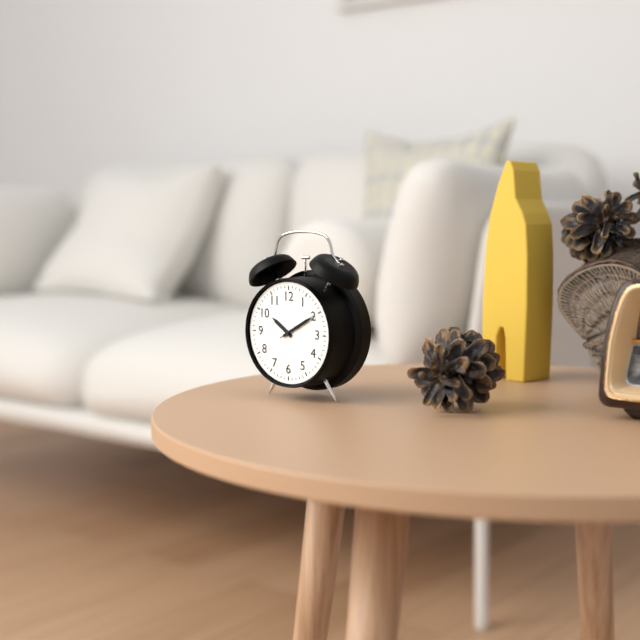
10.10
